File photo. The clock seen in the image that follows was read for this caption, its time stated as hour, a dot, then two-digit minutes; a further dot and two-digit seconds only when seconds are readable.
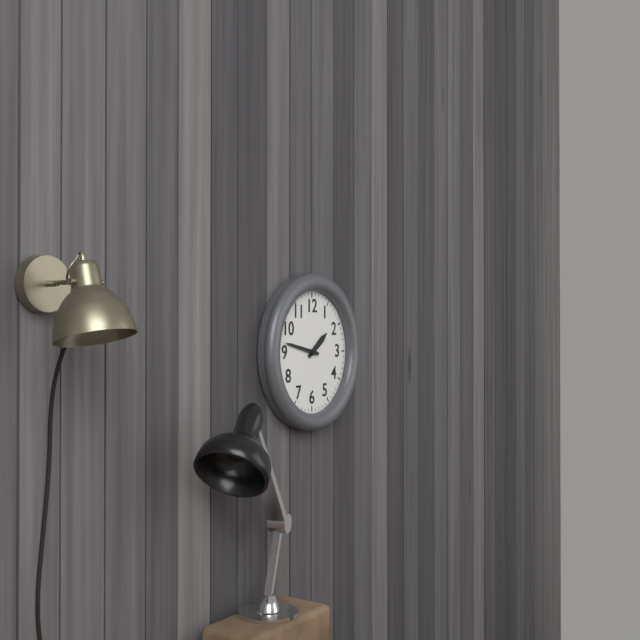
1.47
